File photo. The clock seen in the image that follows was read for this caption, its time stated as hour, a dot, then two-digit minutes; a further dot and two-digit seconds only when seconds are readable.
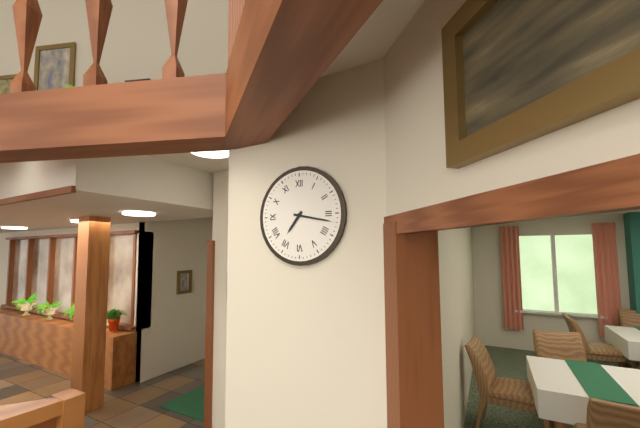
7.17
